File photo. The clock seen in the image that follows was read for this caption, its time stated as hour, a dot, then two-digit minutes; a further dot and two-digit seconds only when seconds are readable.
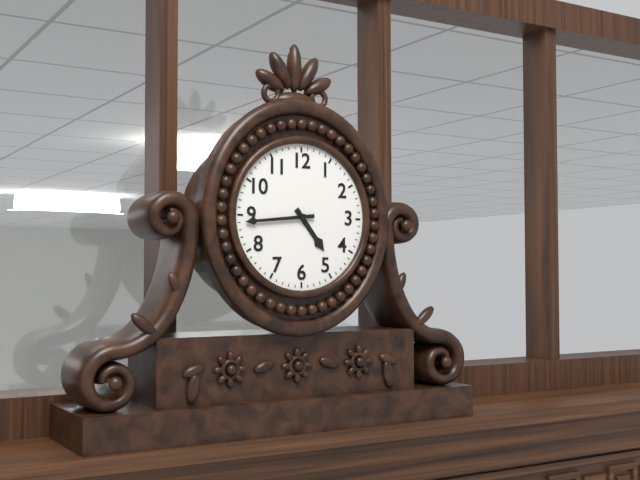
4.44
